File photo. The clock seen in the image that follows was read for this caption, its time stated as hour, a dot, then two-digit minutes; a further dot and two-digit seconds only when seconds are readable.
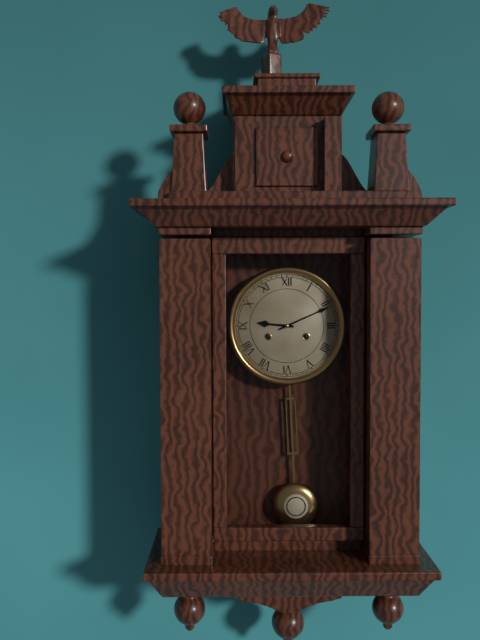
9.11
